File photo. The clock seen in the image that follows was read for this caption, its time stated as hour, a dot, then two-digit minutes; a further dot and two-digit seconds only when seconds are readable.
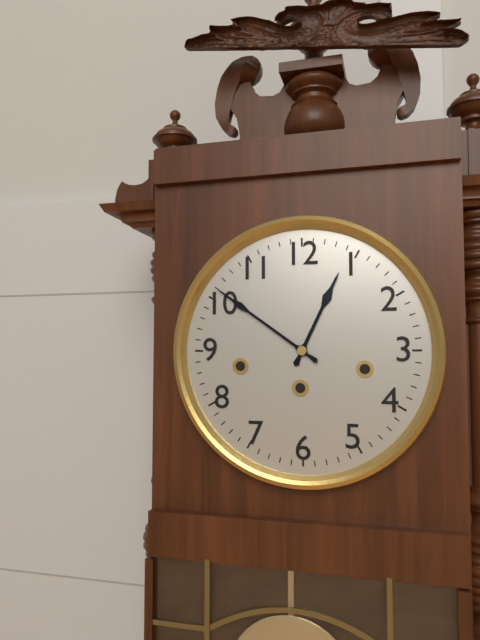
12.51
